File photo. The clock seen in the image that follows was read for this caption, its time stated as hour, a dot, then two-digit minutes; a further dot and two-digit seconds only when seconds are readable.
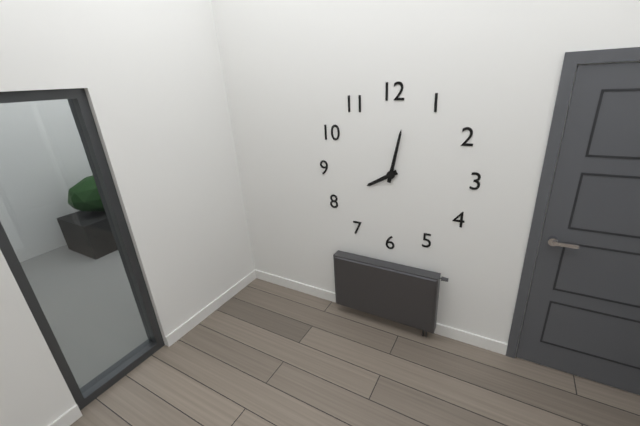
8.02
